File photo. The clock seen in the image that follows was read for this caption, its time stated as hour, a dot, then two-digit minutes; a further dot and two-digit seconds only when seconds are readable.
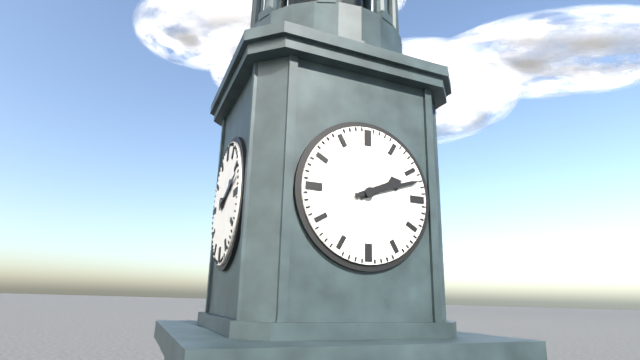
2.12
